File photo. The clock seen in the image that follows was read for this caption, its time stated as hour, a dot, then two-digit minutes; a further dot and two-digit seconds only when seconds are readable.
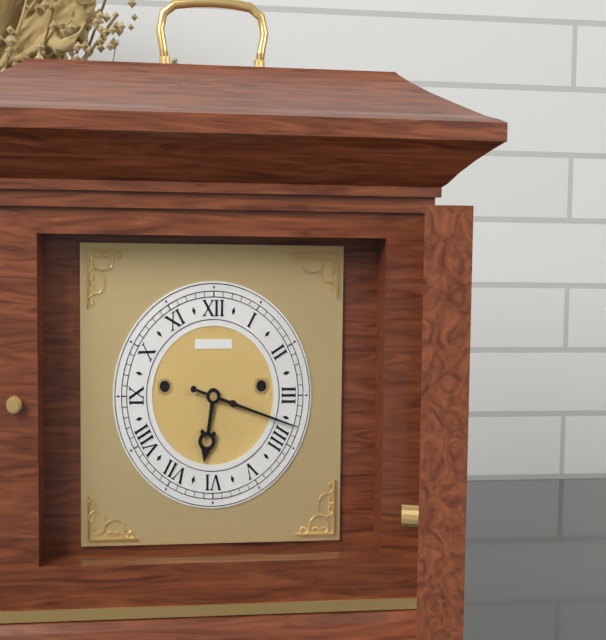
6.18
